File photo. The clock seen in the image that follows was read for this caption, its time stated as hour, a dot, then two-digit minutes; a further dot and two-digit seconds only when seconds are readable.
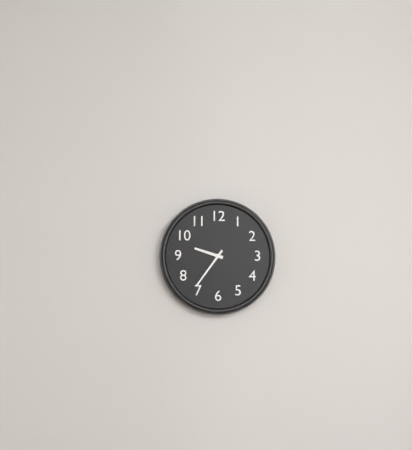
9.36
